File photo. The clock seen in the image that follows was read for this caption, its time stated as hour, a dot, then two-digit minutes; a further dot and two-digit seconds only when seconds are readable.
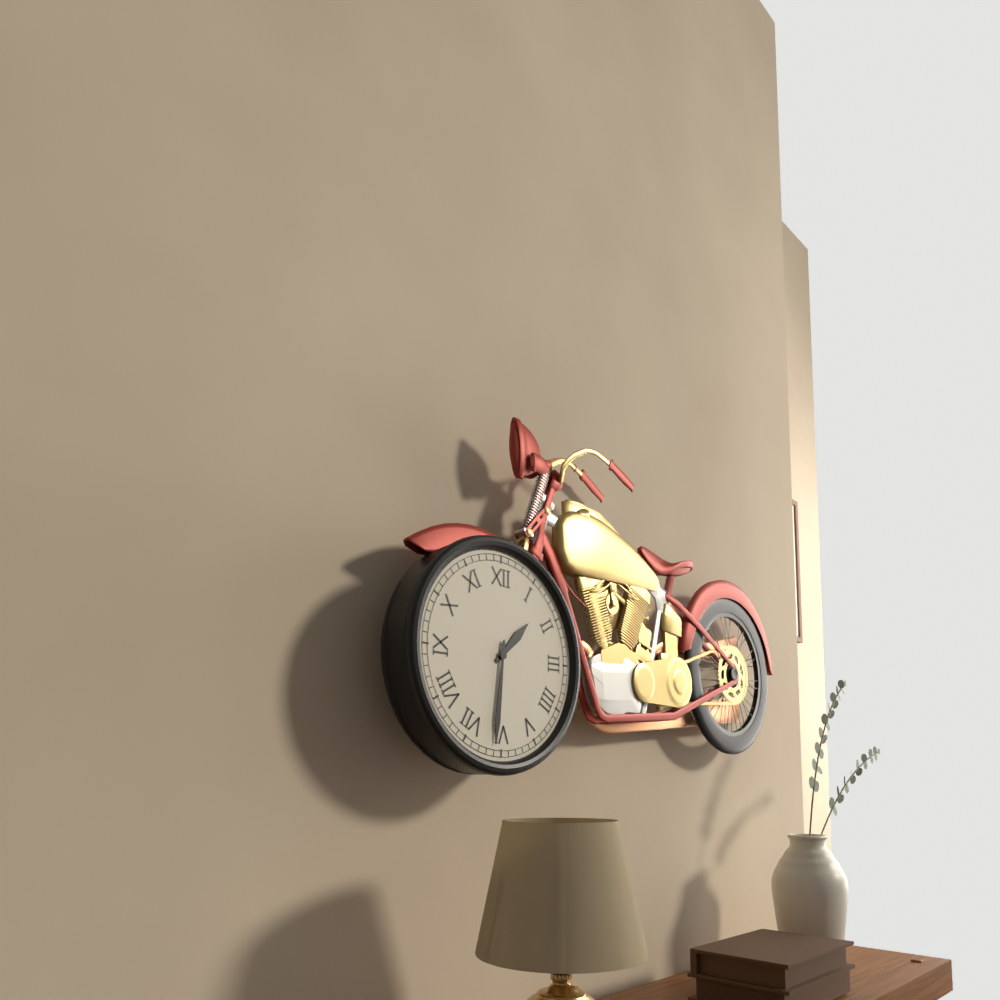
1.31
